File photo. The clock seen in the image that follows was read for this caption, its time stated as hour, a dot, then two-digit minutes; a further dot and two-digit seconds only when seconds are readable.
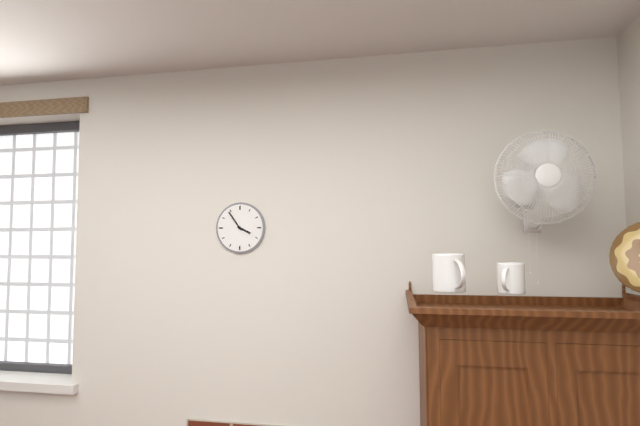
3.54
